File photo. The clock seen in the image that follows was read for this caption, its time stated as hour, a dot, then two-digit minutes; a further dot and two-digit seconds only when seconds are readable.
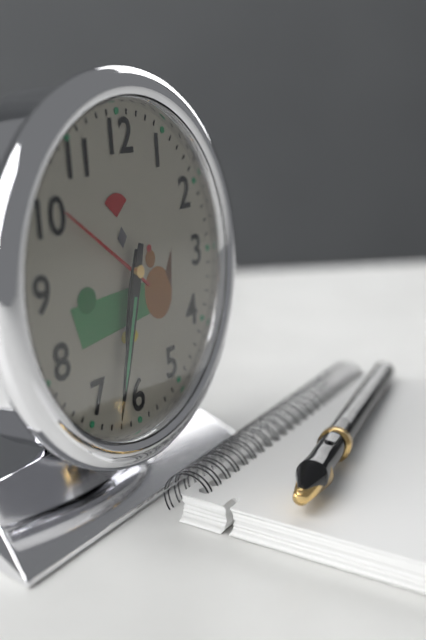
6.33
